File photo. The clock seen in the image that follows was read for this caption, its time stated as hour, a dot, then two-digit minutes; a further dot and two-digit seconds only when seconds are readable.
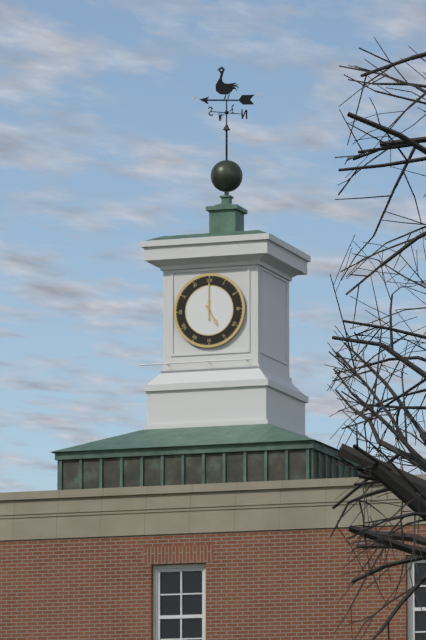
5.00
